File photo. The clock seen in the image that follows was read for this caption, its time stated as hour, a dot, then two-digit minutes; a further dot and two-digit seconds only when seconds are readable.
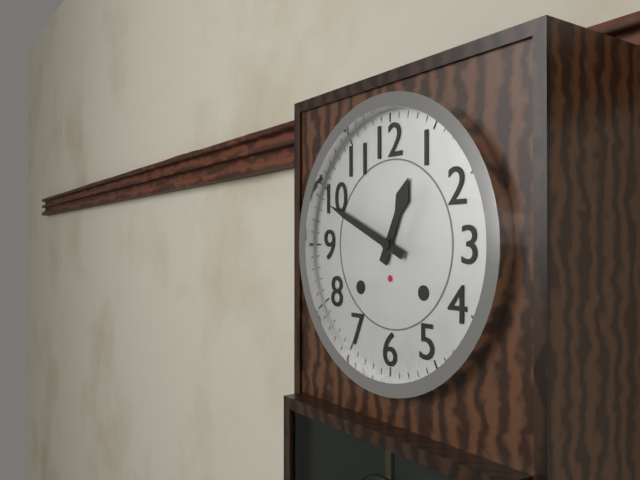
12.49
